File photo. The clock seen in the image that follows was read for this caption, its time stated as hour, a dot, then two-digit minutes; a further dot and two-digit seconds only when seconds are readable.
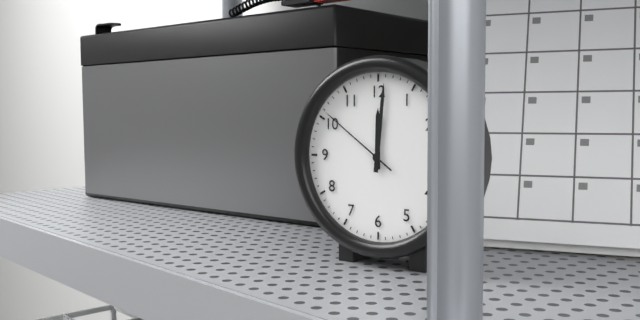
12.01.51
